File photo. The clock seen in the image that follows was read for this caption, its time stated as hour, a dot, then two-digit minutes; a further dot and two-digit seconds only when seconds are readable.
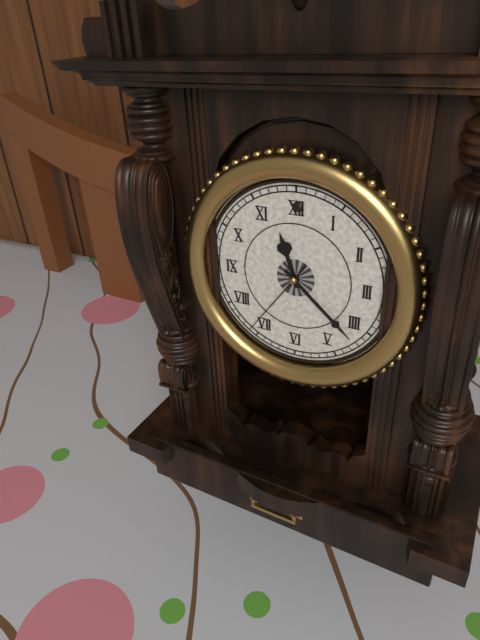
11.22.36
